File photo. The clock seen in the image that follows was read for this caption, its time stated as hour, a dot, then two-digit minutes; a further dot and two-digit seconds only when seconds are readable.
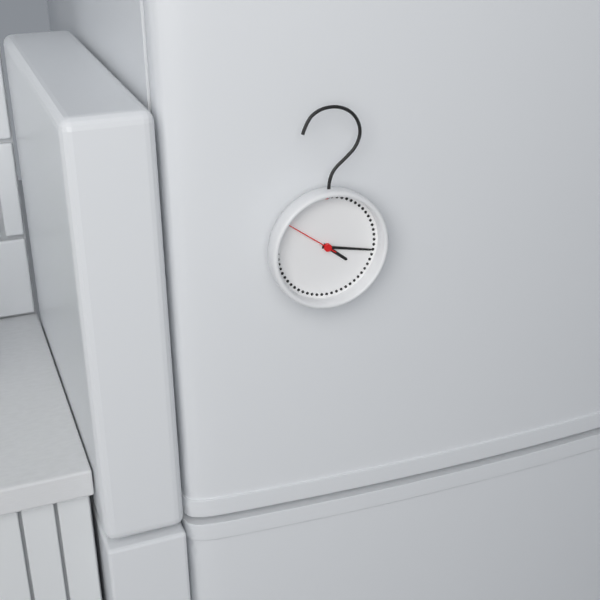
4.17.51
